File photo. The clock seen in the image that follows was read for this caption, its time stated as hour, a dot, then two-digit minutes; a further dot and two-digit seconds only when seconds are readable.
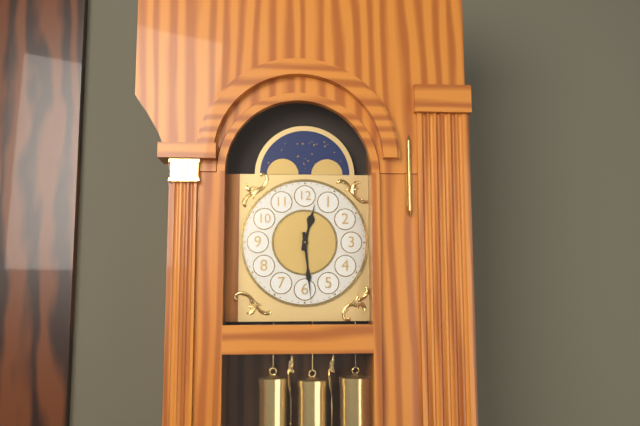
12.29
